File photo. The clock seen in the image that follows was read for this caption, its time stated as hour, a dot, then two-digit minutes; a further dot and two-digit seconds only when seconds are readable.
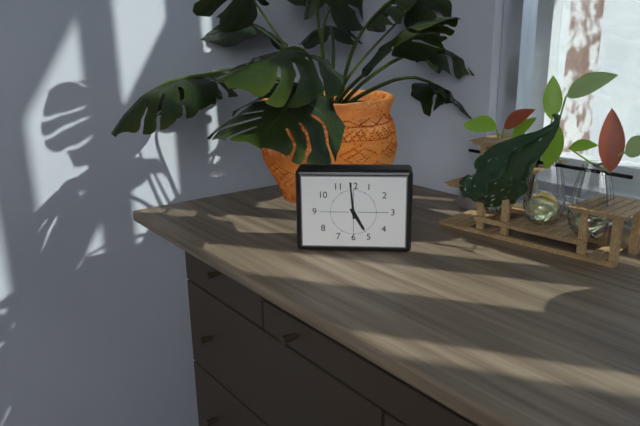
4.59
